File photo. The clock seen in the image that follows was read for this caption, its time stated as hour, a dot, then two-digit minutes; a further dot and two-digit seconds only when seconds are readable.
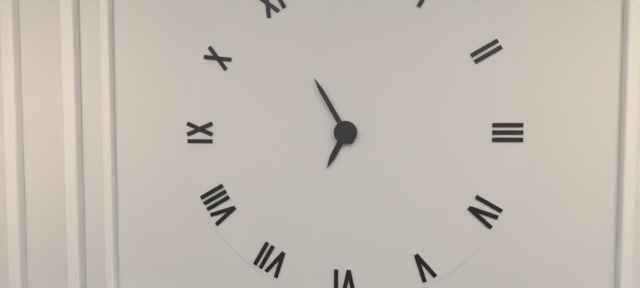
6.55
